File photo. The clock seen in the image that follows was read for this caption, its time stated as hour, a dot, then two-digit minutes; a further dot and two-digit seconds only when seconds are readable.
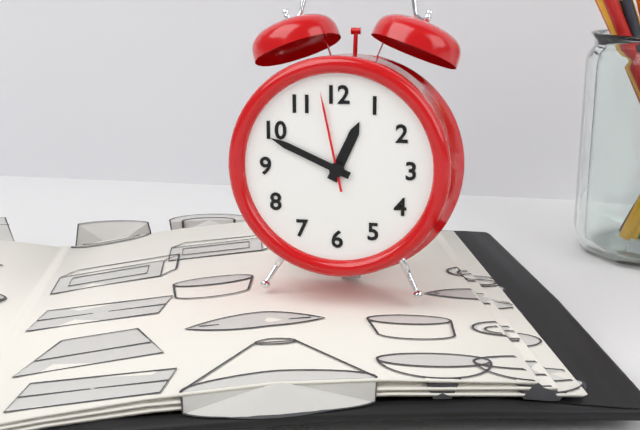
12.49.58
